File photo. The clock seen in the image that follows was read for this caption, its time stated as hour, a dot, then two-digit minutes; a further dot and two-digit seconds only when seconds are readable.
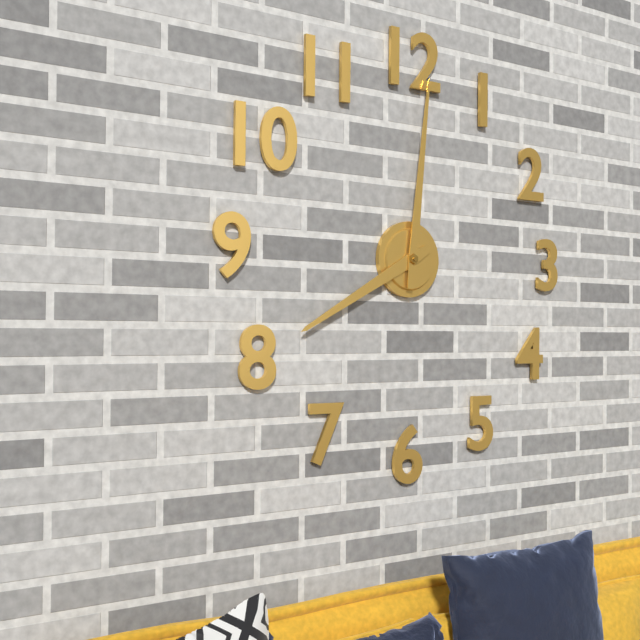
8.01
